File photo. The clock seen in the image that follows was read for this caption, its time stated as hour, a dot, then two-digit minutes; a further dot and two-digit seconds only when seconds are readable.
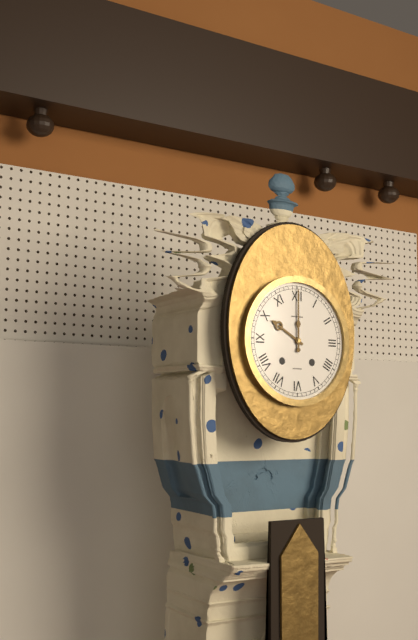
10.00
